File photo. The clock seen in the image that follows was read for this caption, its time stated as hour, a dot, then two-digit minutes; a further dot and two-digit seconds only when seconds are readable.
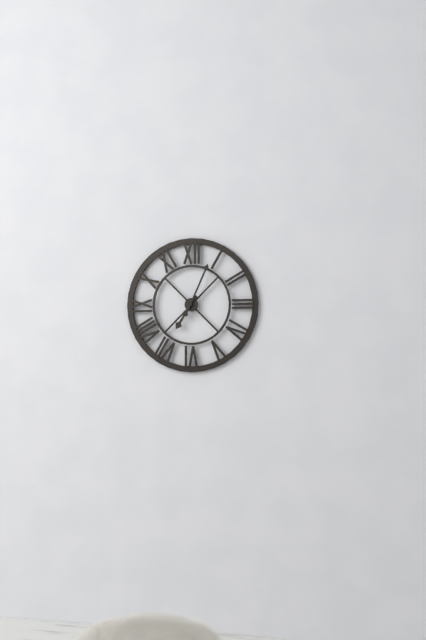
7.04
